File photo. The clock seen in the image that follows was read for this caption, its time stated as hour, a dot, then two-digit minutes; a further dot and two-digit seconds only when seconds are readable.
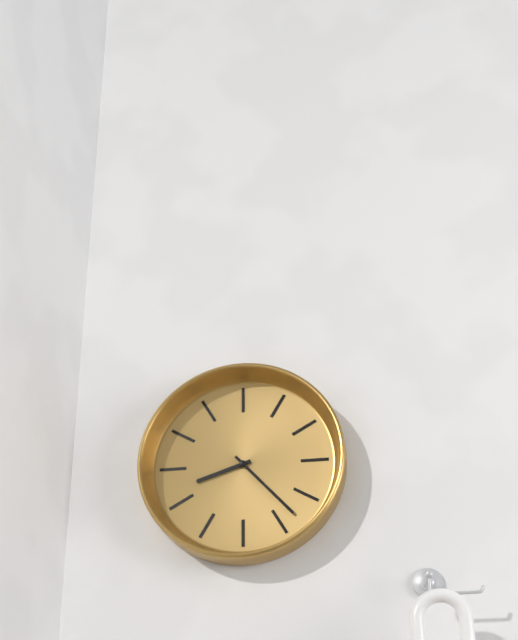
8.23
